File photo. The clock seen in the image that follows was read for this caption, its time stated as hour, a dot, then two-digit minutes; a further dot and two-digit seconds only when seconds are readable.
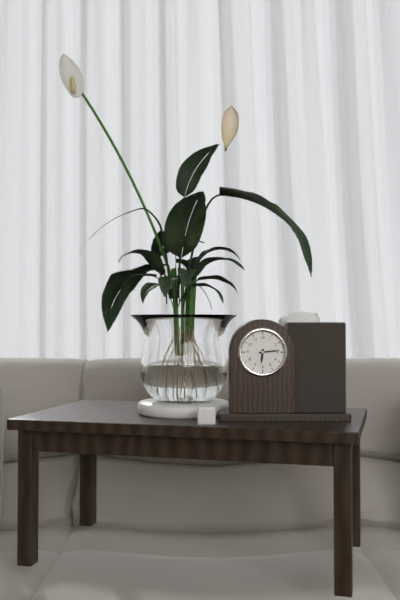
6.14
